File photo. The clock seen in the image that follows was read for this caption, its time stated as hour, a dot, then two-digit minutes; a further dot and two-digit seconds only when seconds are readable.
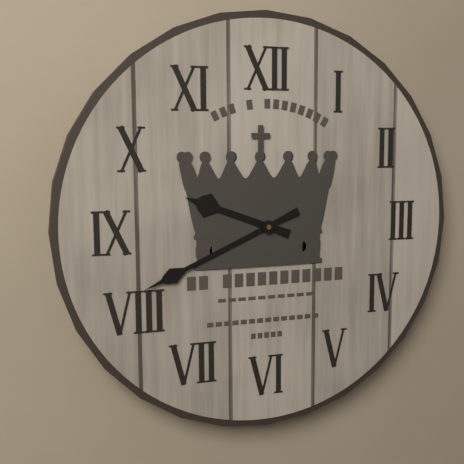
9.41
